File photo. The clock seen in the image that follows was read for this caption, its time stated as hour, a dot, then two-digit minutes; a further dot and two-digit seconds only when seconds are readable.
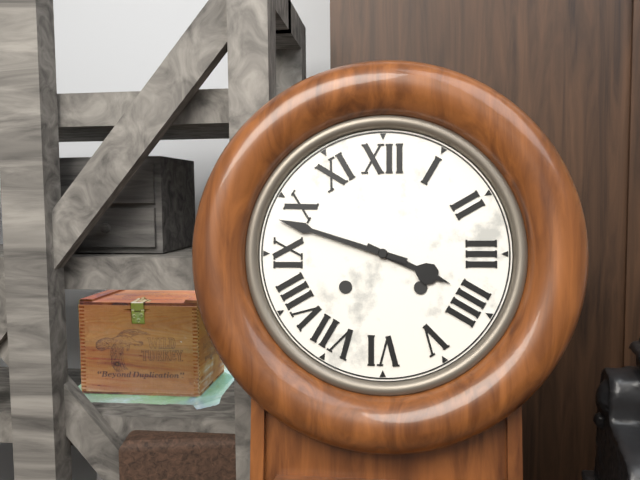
3.48
